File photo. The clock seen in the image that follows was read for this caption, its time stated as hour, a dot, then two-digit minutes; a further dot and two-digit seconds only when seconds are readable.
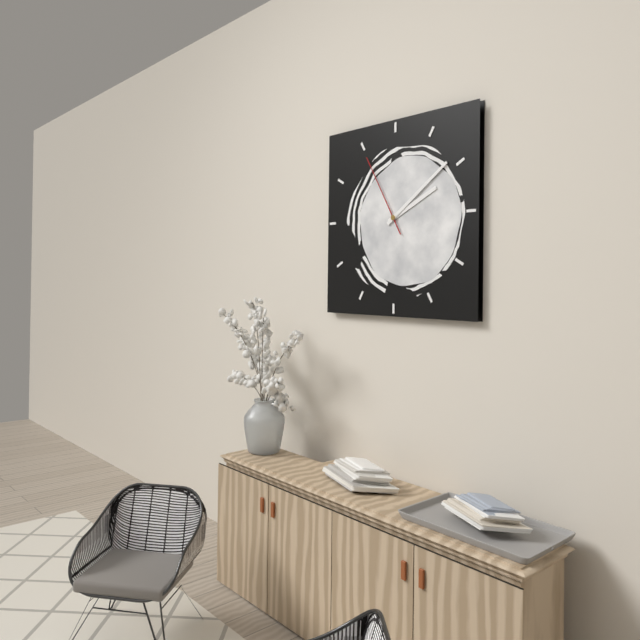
2.09.55
